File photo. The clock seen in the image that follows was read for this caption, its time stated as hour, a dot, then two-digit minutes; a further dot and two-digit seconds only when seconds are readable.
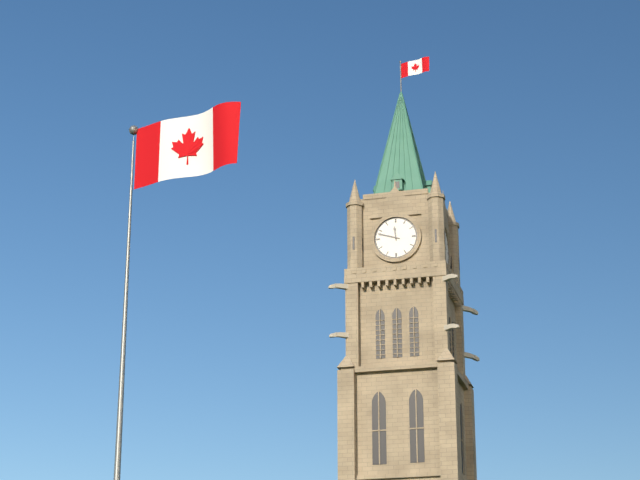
11.48
